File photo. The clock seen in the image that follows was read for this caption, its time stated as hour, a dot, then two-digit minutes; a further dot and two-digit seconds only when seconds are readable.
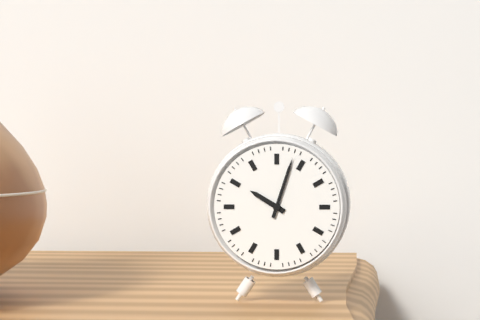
10.03
